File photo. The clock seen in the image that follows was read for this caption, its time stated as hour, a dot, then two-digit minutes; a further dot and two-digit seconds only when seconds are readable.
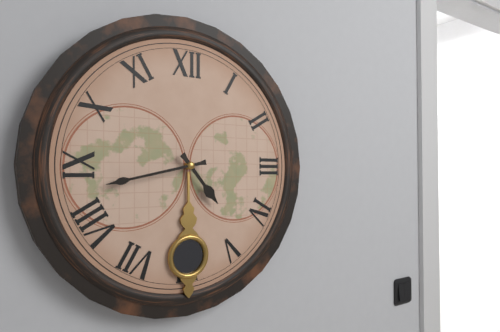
4.43
